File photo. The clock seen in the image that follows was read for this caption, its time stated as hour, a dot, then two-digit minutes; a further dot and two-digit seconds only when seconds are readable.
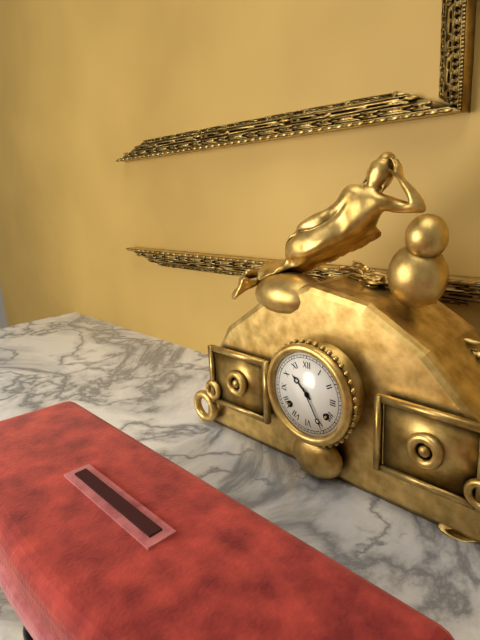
10.25
